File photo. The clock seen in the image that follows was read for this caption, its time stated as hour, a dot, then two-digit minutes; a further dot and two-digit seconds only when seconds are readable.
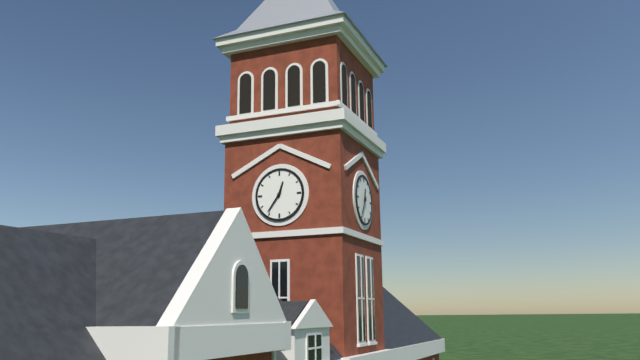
12.36
